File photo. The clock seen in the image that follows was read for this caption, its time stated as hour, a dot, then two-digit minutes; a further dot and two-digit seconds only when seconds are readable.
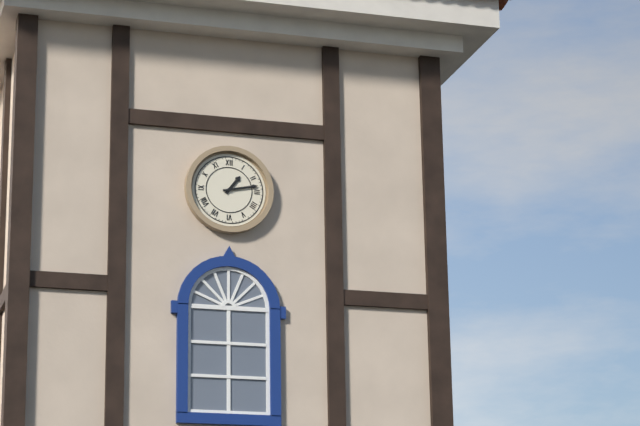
1.13
